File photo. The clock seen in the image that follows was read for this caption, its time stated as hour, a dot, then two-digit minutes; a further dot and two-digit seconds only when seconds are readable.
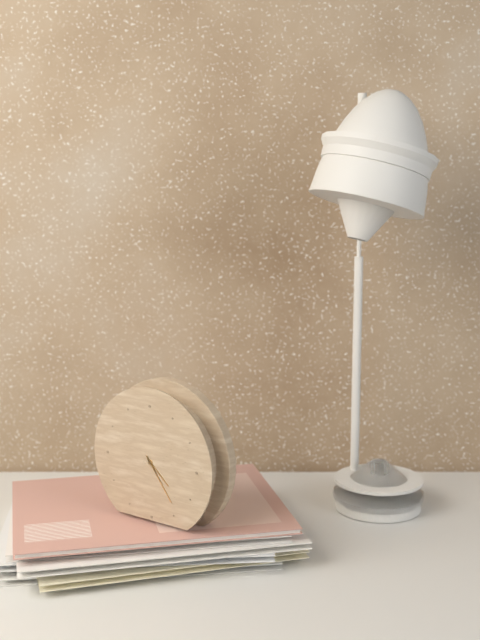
4.24
